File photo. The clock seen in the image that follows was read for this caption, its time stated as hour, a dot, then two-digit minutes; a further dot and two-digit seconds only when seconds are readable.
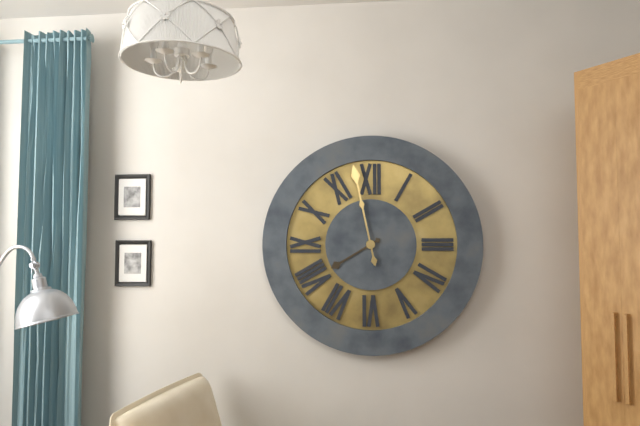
7.58
